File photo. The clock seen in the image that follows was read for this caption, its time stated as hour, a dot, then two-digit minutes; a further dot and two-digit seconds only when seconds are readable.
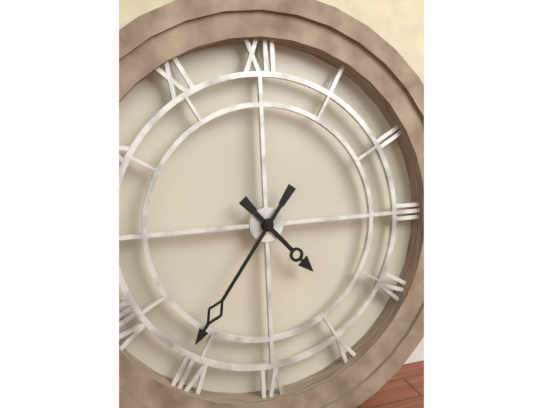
4.36
